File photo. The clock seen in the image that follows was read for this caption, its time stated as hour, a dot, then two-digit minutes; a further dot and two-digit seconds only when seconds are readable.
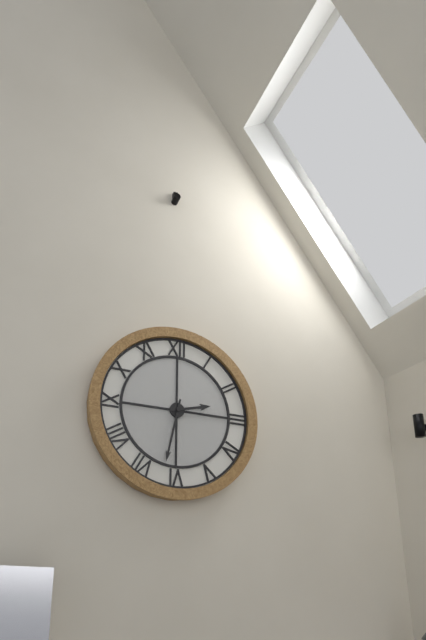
2.32
